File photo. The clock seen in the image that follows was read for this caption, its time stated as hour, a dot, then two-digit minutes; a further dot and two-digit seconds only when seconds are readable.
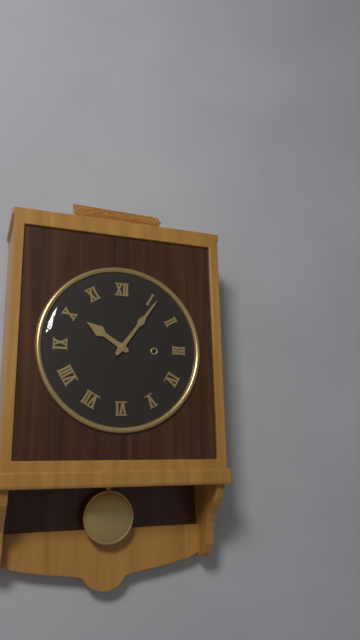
10.06
